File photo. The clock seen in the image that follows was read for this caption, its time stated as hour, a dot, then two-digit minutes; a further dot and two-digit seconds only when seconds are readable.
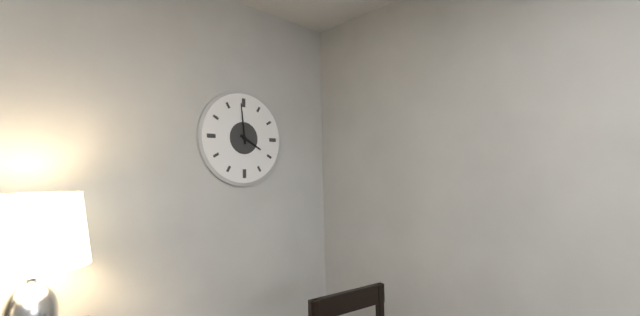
3.59
